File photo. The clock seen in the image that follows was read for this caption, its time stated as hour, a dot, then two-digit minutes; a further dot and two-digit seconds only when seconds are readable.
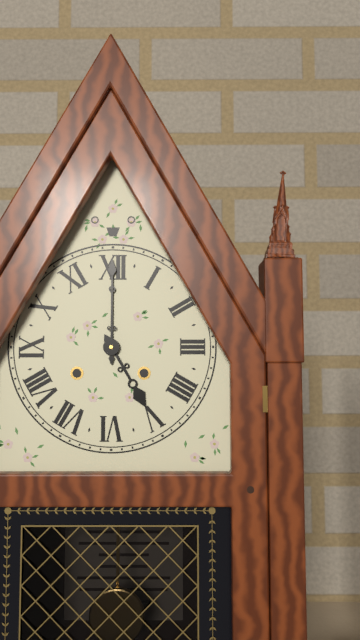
5.00
